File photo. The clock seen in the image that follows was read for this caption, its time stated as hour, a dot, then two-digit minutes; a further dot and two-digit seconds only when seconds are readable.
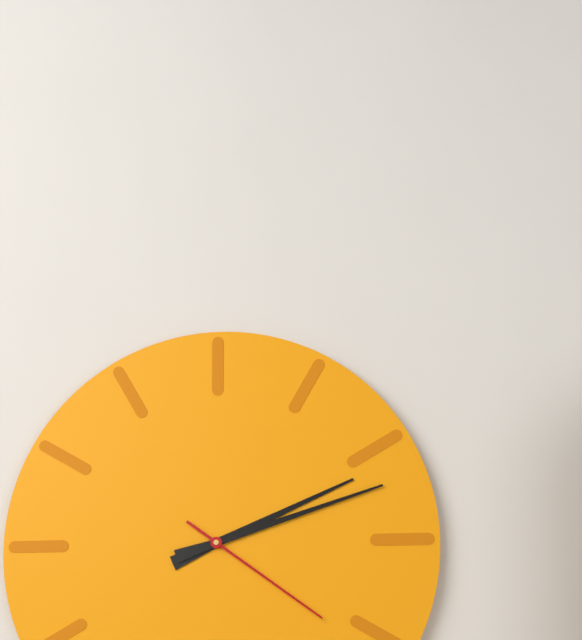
2.12.21
